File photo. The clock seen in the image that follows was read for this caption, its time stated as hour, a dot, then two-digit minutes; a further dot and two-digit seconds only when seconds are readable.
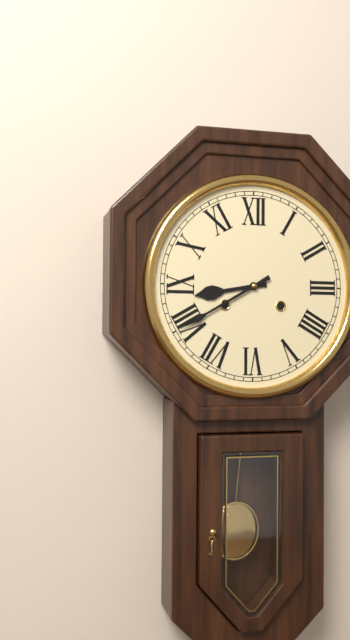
8.40
